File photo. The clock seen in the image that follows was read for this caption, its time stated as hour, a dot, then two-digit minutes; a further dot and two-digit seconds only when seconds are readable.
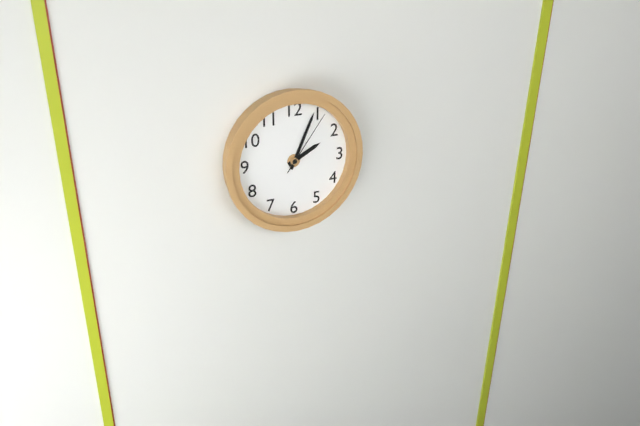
2.04.06
